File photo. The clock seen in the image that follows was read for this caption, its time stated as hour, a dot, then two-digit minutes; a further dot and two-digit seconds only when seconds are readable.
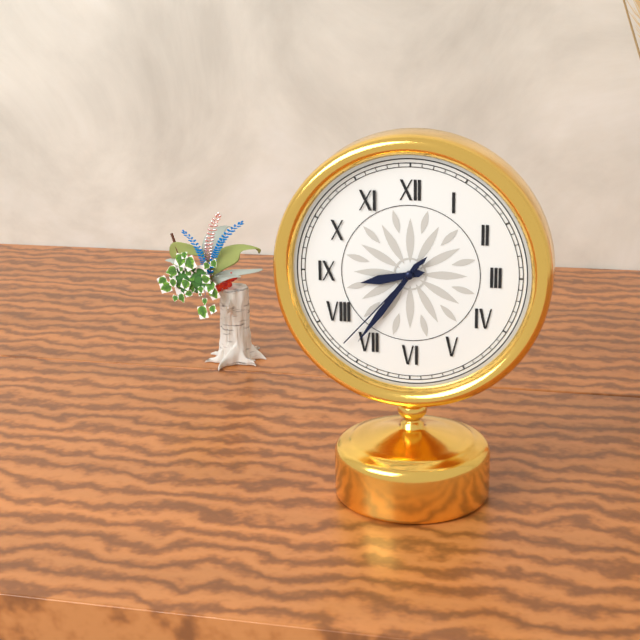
8.36.37
